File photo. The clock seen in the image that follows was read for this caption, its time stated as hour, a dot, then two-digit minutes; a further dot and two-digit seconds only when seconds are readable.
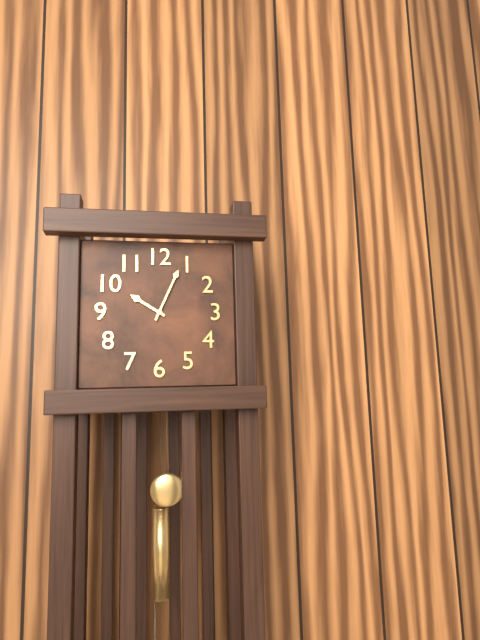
10.04
